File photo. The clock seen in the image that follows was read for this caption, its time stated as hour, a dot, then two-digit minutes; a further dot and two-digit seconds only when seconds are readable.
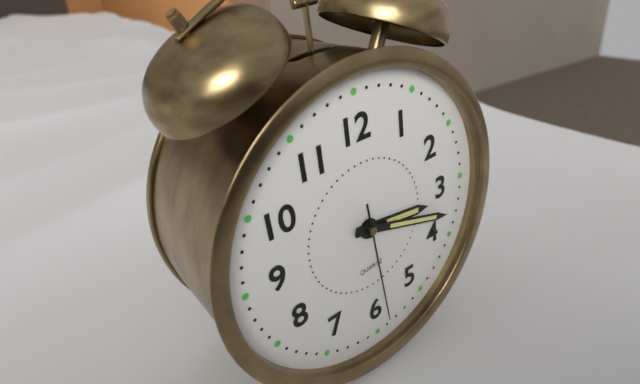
3.18.29
